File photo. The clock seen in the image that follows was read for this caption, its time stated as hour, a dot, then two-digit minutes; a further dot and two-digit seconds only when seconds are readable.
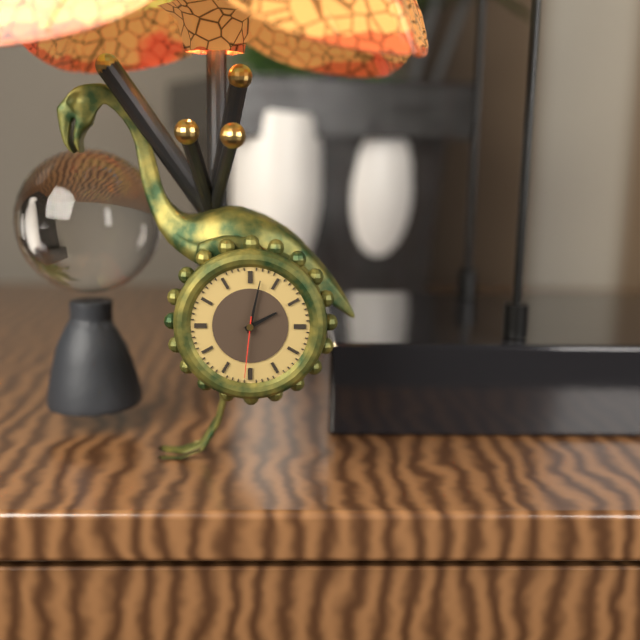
2.02.31
